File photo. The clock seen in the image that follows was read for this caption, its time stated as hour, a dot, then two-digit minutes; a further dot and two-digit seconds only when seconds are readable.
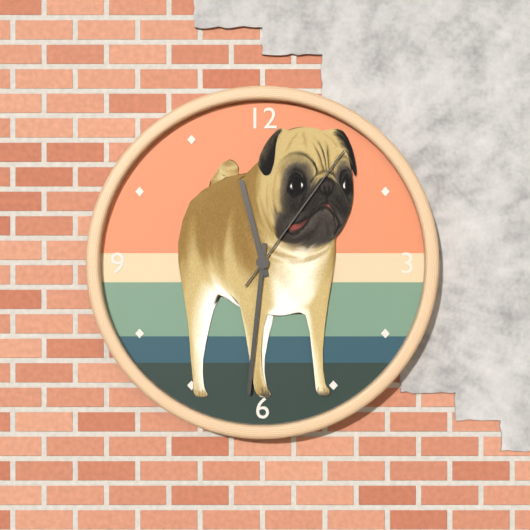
11.31.06
